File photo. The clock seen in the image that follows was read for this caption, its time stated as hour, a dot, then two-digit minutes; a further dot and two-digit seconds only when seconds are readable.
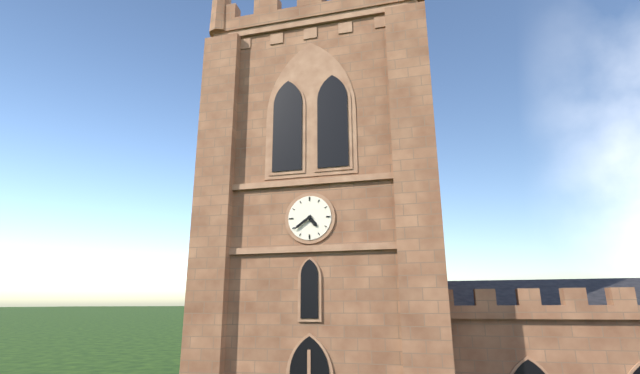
4.39
